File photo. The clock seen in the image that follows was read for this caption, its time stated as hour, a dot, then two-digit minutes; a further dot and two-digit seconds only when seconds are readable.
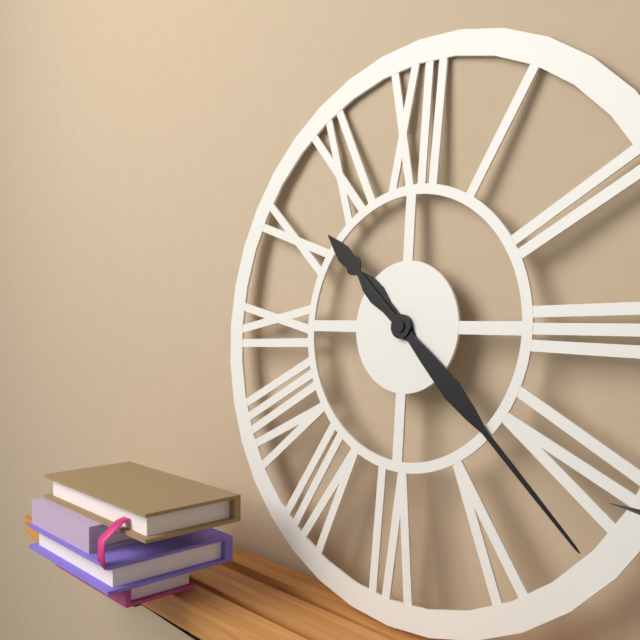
10.22
